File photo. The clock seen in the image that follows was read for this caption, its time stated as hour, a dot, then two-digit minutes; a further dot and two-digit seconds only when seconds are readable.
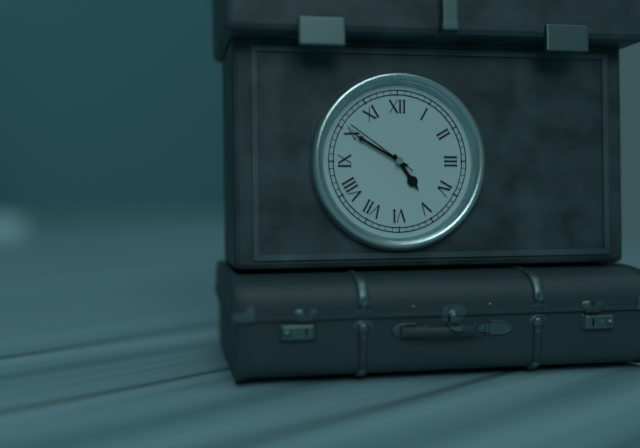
4.50.51
